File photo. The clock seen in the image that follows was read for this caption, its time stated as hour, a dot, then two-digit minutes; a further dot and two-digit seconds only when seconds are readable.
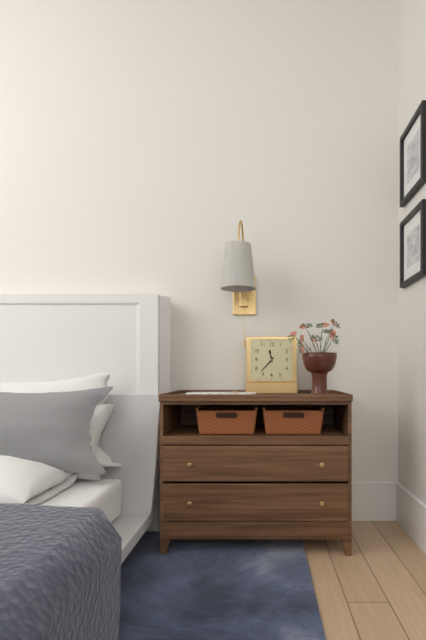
11.37
